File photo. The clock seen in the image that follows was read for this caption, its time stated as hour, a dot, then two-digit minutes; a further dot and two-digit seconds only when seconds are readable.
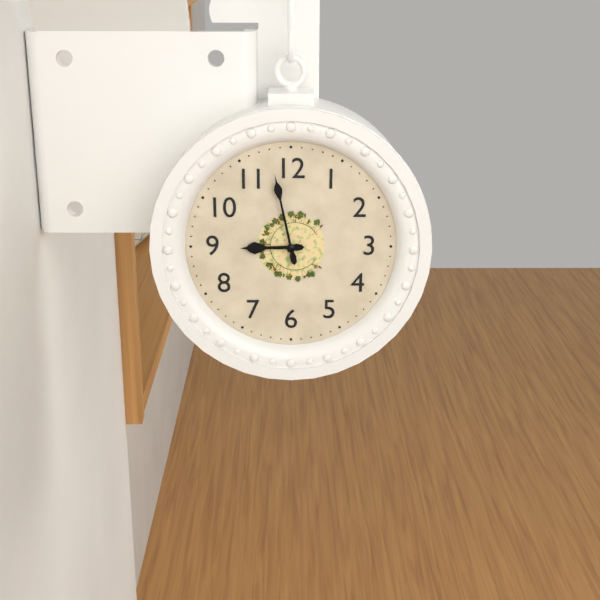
8.58
